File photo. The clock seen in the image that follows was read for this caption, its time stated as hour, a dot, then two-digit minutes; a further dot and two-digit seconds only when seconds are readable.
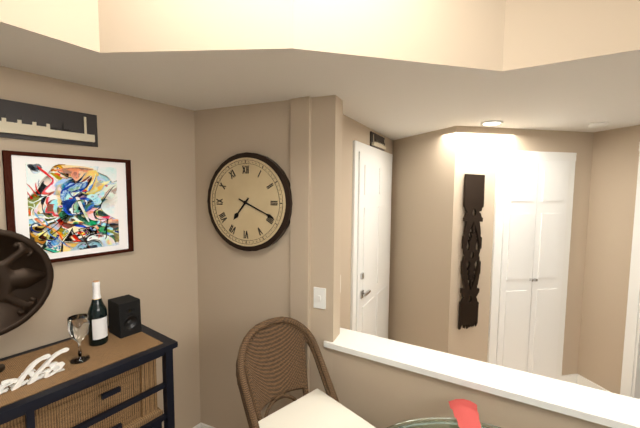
7.19
